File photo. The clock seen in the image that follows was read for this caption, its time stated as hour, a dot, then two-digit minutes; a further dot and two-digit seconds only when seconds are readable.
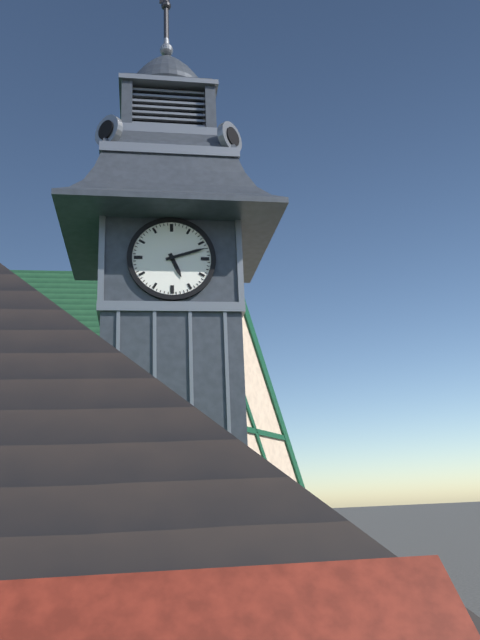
5.12
